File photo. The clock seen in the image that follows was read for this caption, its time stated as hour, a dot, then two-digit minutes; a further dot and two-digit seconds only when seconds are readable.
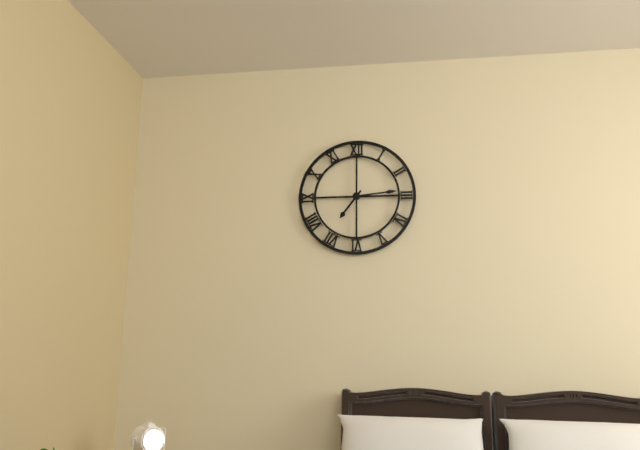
7.14
